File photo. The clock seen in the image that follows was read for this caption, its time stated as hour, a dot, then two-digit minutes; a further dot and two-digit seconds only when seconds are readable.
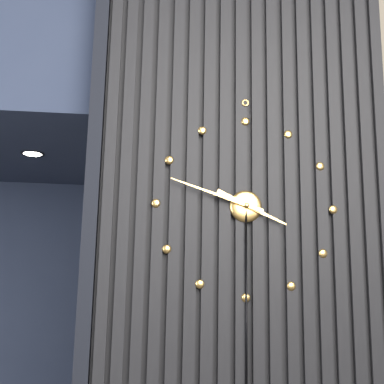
3.48
